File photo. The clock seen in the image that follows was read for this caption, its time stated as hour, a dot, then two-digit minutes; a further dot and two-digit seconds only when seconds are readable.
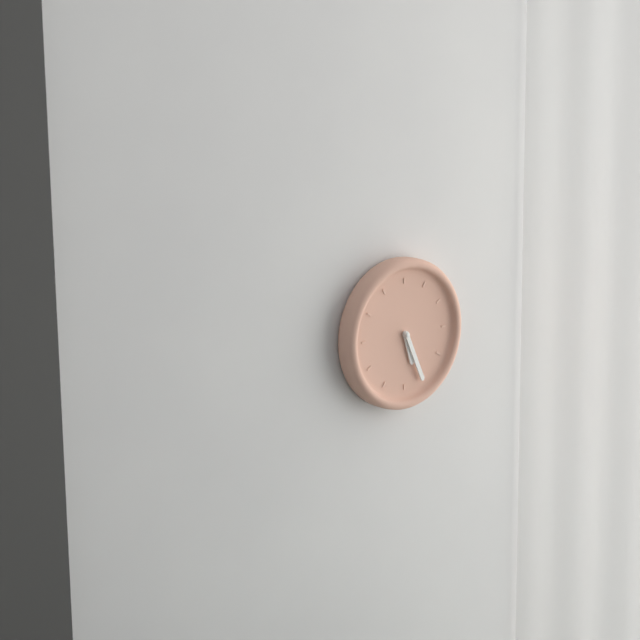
5.26
